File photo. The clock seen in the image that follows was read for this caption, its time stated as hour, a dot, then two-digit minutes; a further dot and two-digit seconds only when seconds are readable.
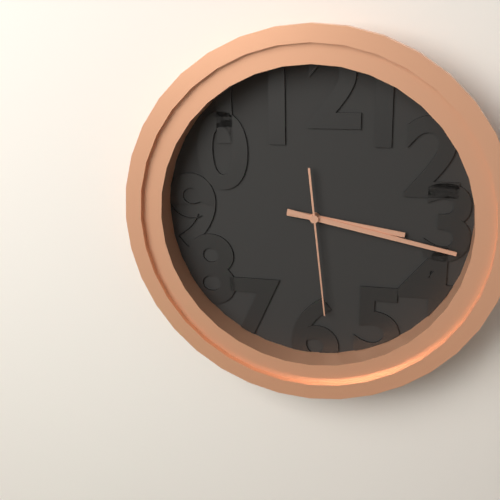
3.17.29
